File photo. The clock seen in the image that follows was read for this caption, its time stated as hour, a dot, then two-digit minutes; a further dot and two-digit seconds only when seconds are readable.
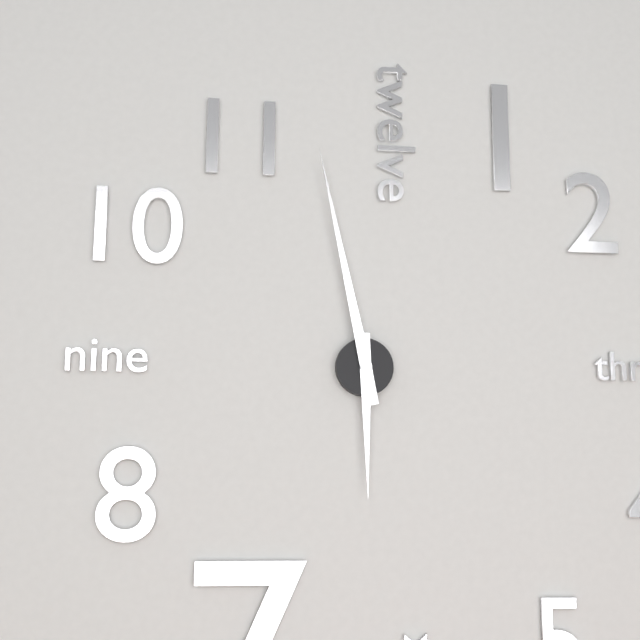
5.58
